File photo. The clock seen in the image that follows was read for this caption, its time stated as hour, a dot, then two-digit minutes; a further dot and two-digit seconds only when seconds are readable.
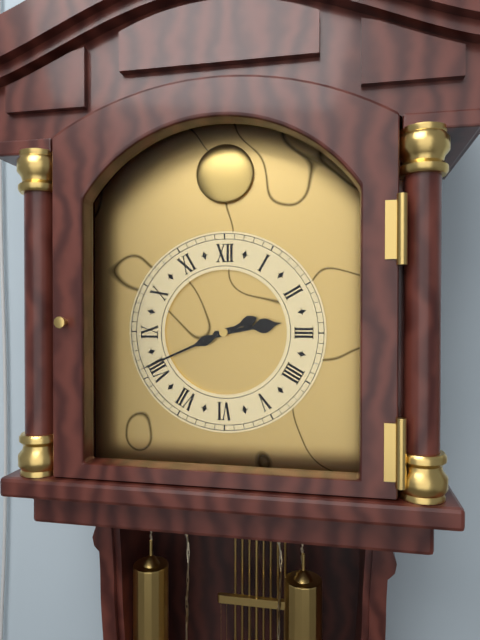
2.41
